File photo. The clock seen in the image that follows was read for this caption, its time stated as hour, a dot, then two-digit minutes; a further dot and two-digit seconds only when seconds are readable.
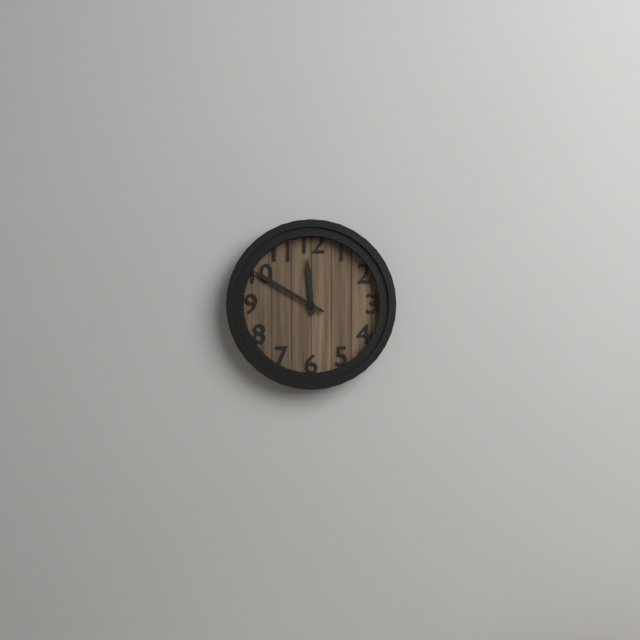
11.50
